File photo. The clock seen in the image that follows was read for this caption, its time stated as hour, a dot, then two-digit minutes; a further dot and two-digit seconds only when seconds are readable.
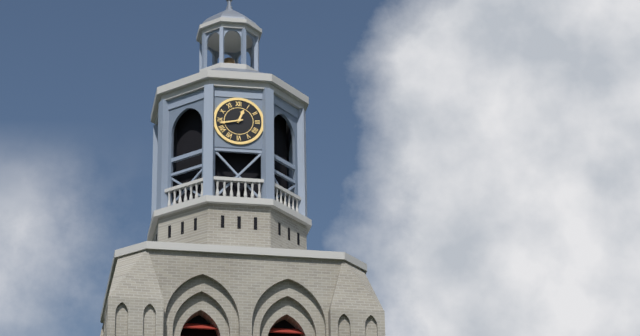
12.43
